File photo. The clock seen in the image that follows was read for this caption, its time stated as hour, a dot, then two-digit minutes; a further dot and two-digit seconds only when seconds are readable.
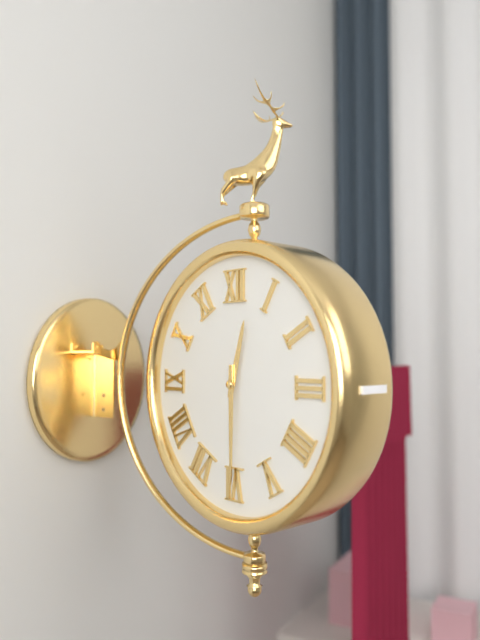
12.30
